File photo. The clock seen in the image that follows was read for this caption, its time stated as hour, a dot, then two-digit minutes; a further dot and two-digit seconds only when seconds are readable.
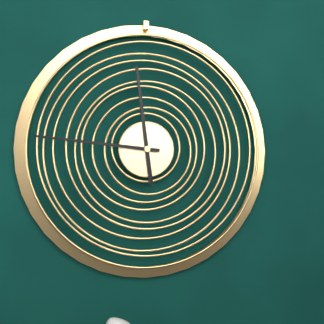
11.46
